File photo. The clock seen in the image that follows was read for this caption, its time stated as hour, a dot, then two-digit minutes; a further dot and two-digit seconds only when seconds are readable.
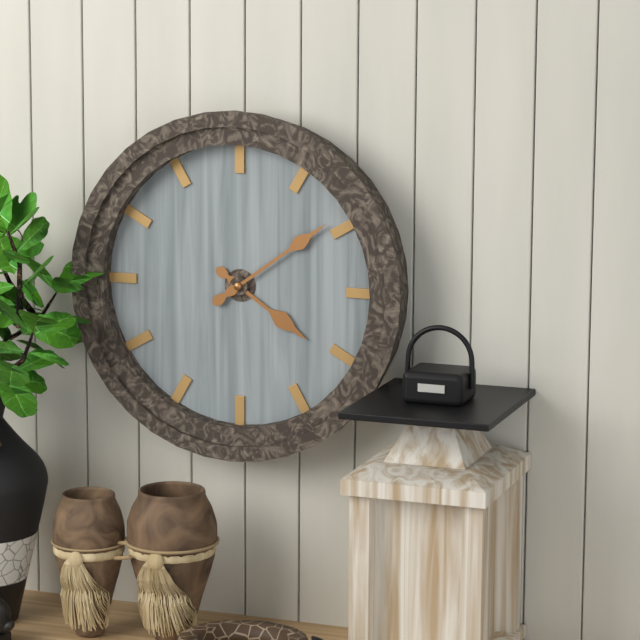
4.09
